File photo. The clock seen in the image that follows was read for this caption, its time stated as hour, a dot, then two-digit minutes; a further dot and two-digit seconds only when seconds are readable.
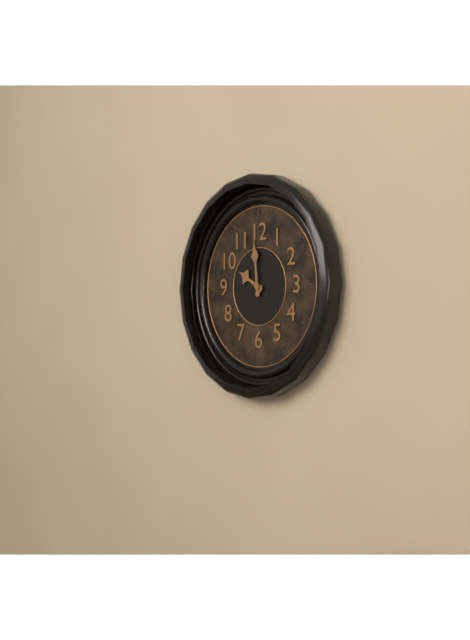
9.59
